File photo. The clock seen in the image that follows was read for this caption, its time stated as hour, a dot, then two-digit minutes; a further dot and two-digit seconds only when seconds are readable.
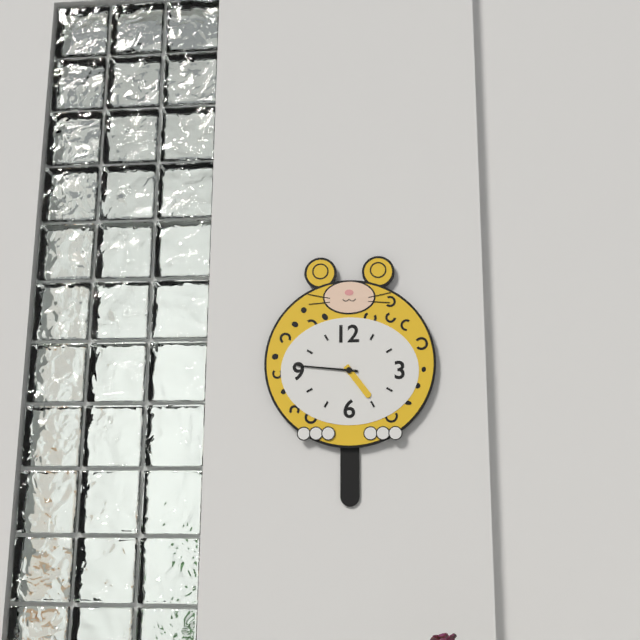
4.46
